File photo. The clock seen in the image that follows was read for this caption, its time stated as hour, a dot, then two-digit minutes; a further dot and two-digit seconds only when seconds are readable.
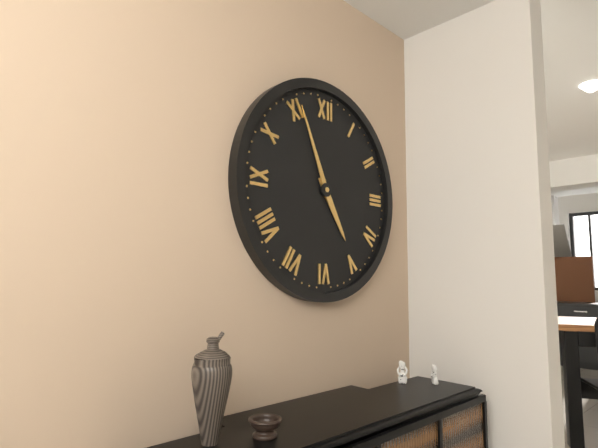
4.56
